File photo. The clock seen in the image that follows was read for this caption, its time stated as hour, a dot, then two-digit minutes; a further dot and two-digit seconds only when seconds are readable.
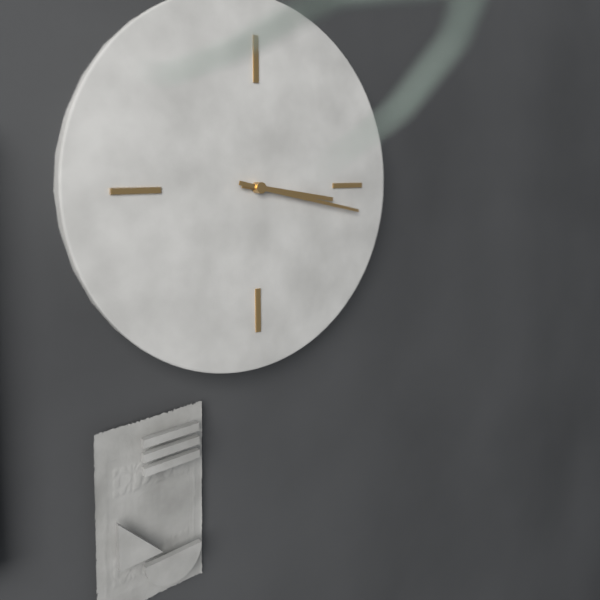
3.17
